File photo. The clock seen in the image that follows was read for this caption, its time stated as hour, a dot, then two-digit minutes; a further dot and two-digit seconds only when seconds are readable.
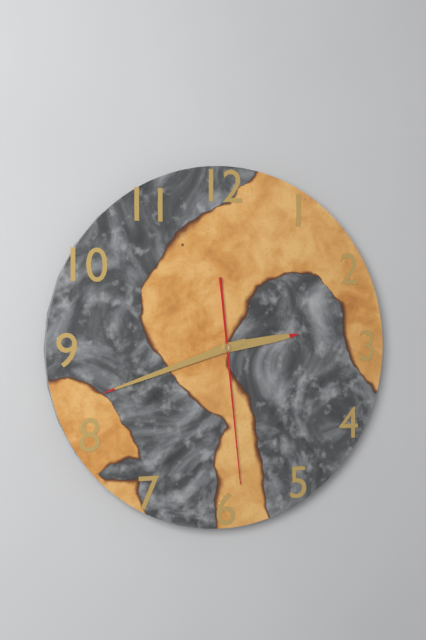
2.42.29
